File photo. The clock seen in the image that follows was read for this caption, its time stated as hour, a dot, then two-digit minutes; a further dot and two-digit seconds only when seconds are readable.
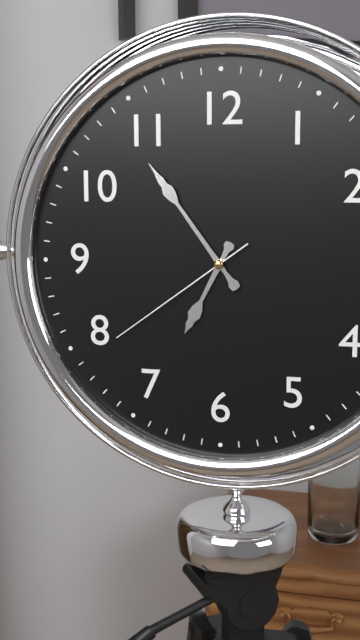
6.54.39
